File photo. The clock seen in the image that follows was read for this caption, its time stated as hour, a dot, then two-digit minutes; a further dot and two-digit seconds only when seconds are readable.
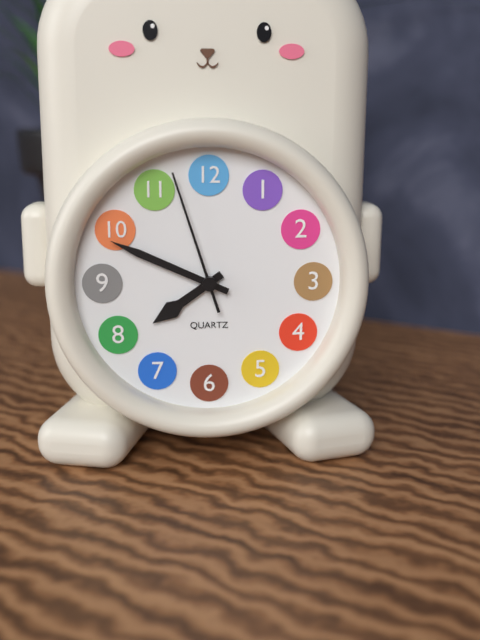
7.49.57
